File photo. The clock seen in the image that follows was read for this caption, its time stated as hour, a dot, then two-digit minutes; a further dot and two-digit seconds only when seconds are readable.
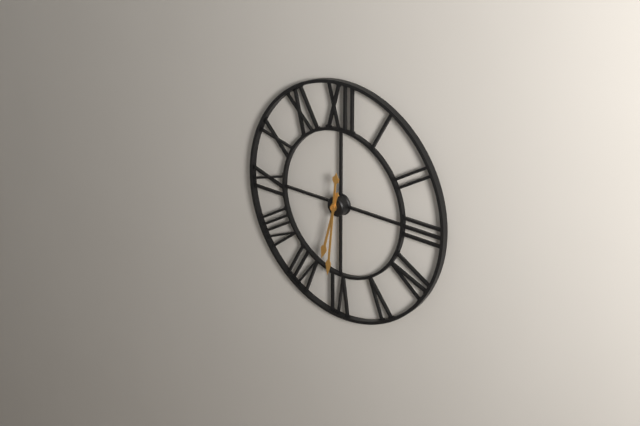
6.31
